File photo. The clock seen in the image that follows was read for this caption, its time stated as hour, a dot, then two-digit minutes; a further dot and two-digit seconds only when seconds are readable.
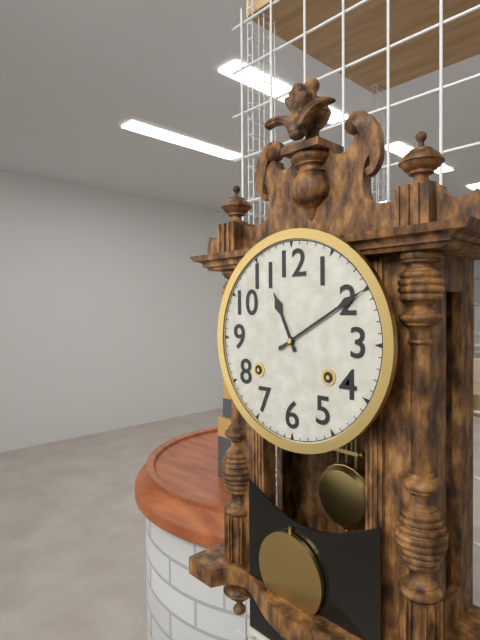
11.10
